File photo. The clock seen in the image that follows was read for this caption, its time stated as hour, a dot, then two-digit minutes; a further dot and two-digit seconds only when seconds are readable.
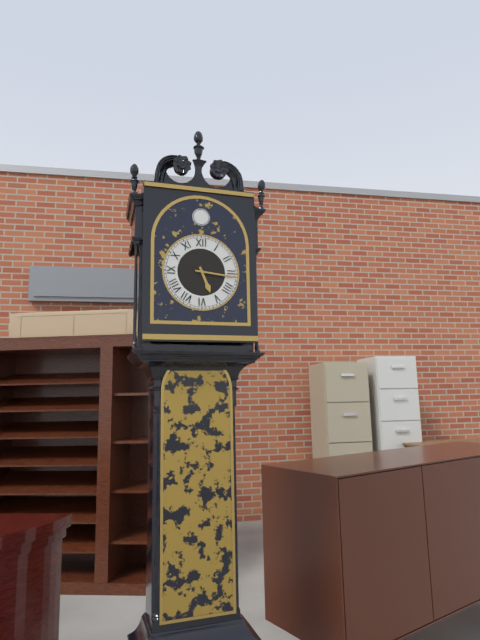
5.16
